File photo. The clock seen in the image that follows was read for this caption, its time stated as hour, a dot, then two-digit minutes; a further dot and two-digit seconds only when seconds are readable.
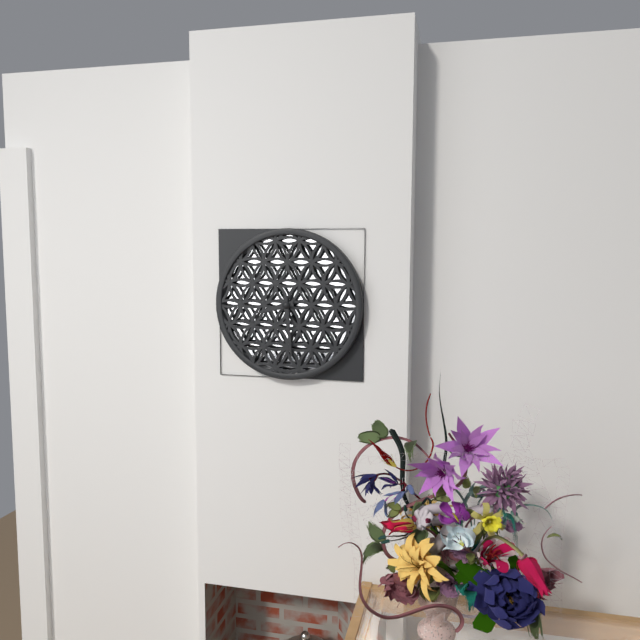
8.29
